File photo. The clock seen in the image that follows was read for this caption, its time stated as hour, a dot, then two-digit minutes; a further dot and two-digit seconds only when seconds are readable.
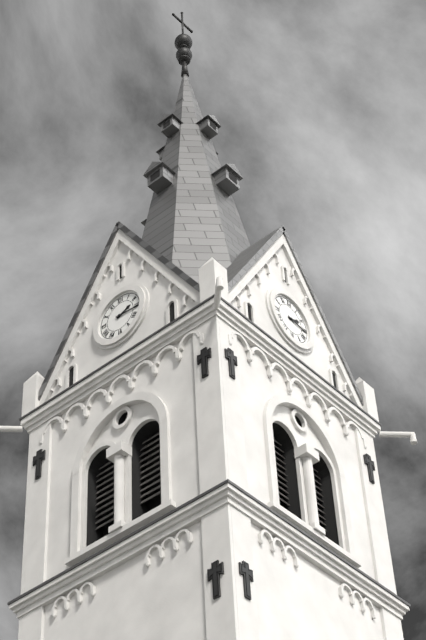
2.16
